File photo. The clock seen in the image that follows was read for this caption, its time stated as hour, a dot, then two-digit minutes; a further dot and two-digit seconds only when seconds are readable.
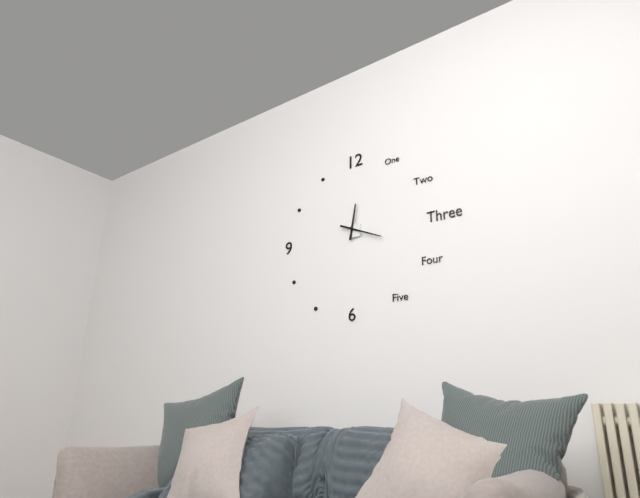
12.19
